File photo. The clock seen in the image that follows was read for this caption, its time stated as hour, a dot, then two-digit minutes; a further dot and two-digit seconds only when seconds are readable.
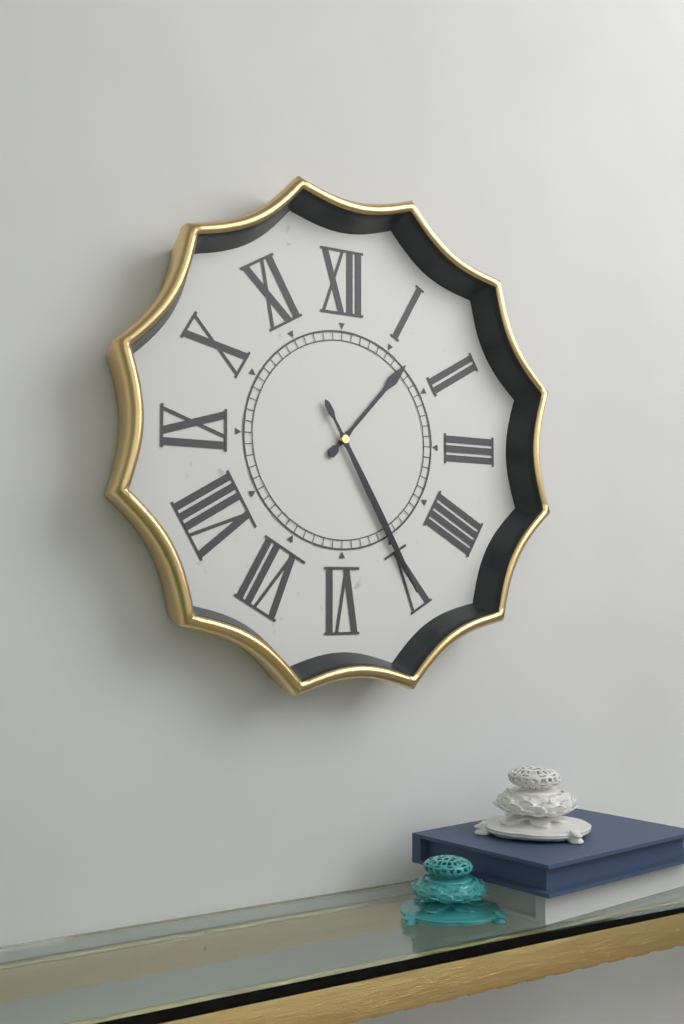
1.25
